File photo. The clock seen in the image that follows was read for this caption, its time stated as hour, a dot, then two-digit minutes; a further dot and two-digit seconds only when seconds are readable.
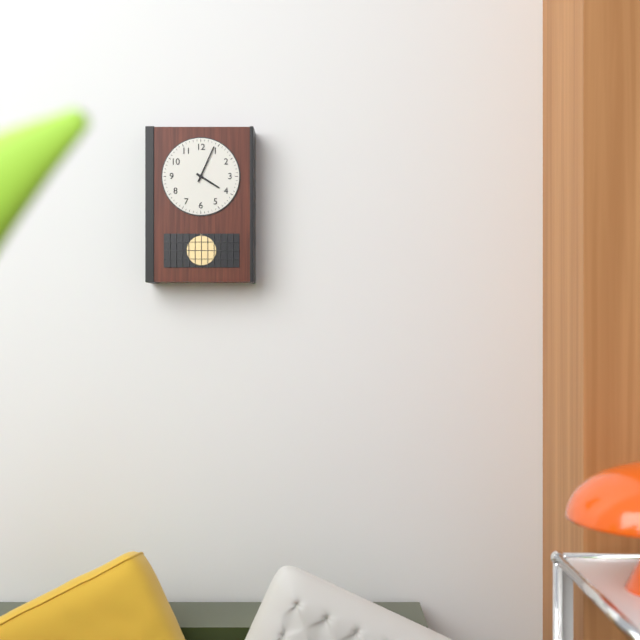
4.04
